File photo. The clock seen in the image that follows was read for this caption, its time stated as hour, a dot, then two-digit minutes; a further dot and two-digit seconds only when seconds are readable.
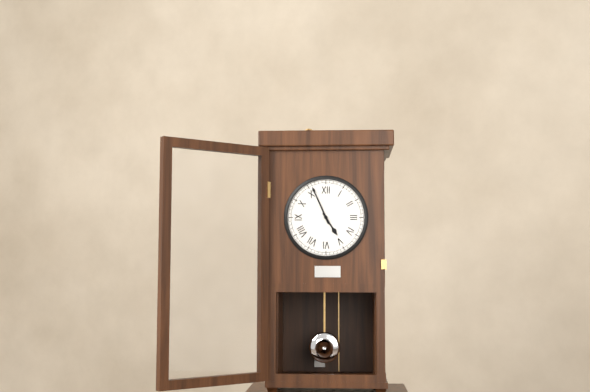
4.56
